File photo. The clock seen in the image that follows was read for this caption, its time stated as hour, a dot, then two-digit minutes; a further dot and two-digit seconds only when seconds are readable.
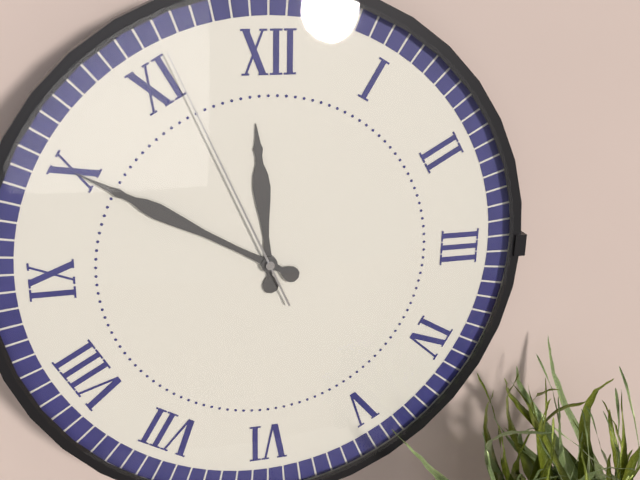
11.50.56
